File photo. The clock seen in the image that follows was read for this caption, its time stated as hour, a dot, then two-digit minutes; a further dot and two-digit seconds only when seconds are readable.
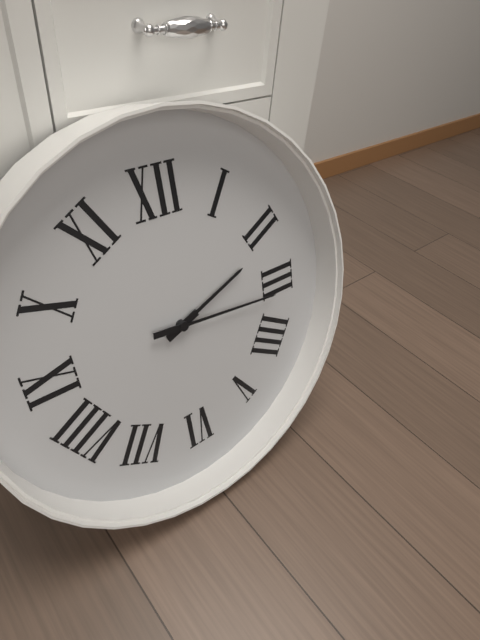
2.16
